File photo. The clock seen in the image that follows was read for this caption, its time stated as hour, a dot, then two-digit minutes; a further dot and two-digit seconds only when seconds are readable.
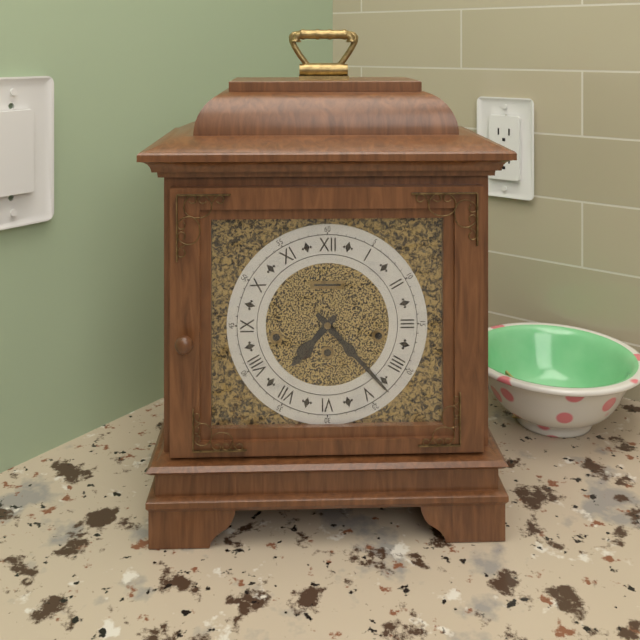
7.23
